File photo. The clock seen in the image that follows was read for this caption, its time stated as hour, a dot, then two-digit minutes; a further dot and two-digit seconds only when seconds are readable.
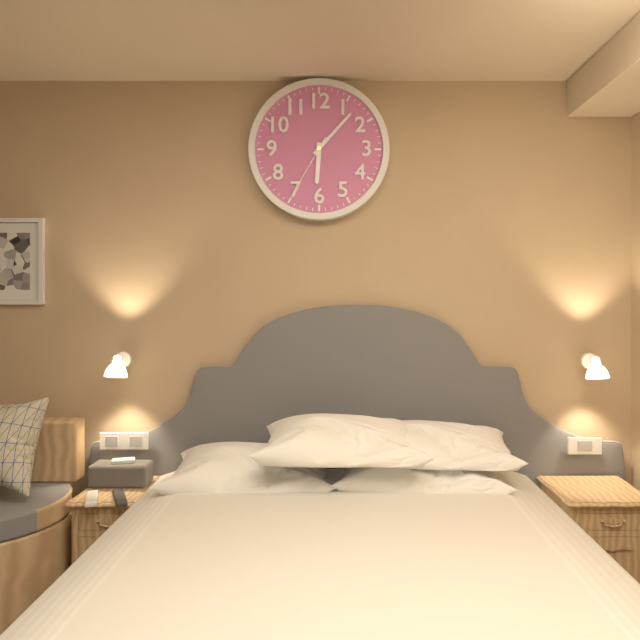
6.07.35
